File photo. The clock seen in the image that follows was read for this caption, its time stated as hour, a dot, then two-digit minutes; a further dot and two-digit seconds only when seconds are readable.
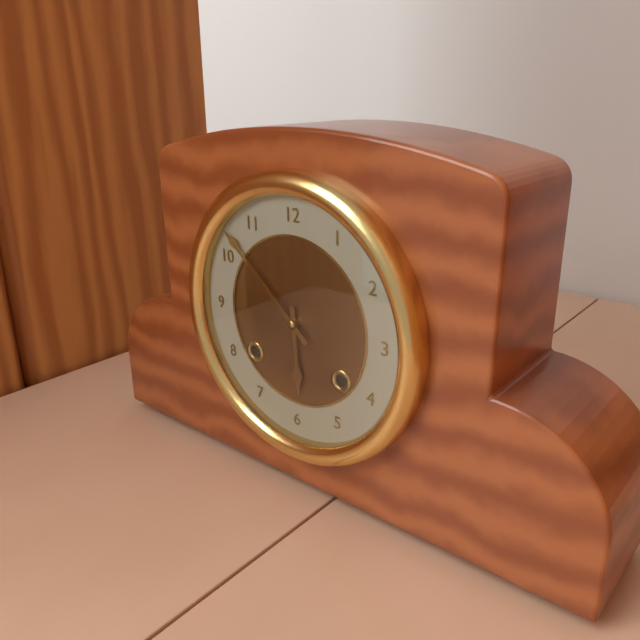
5.52
